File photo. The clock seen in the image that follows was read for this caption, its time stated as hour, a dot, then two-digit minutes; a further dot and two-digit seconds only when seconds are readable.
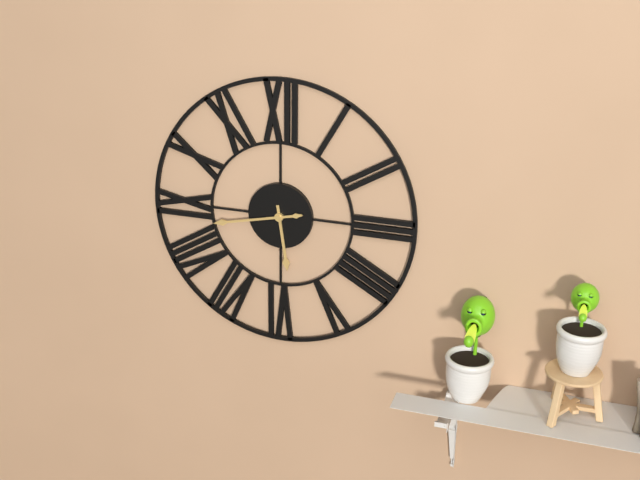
5.43
